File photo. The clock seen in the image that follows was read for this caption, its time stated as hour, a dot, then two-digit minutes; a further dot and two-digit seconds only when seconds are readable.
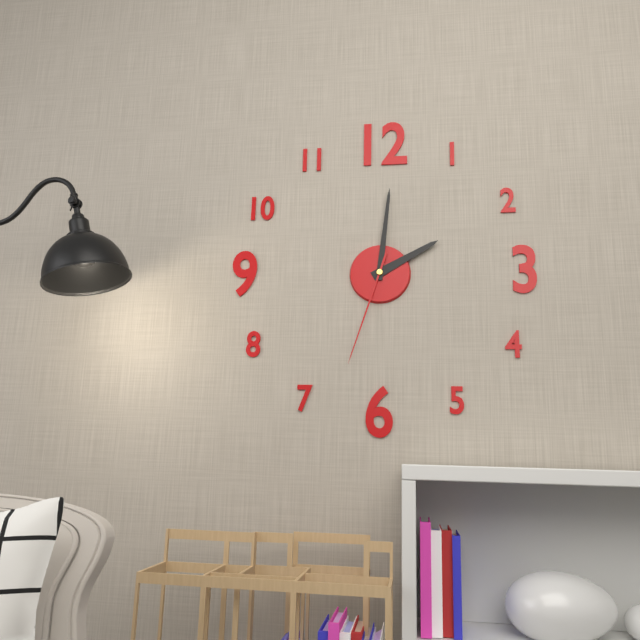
2.01.33
